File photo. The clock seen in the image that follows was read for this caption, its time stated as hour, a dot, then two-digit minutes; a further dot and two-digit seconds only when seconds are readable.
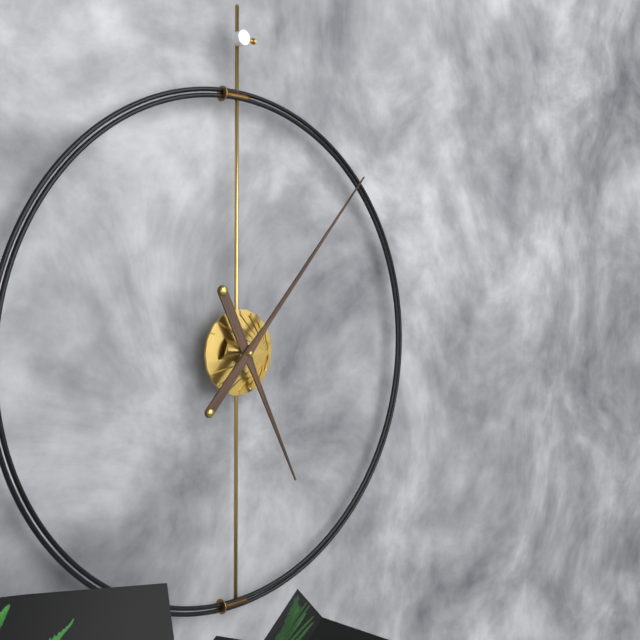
5.07
